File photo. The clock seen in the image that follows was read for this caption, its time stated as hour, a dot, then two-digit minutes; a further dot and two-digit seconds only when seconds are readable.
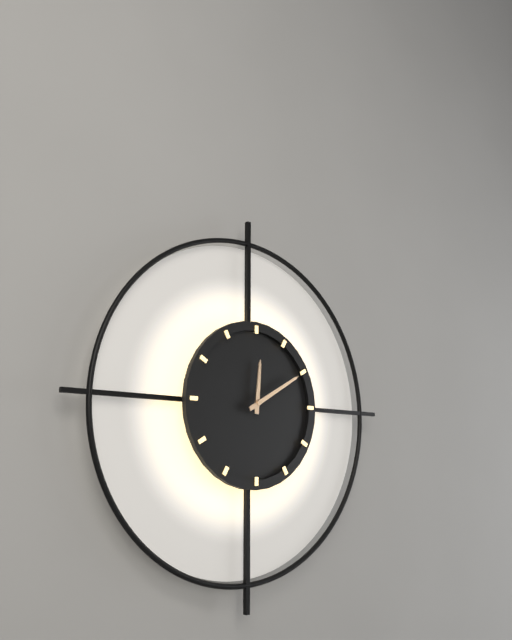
12.10
